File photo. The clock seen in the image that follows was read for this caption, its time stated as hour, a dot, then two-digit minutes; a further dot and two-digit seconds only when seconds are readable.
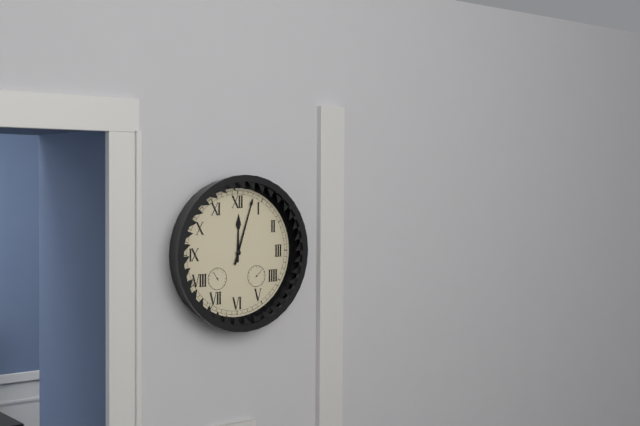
12.03
